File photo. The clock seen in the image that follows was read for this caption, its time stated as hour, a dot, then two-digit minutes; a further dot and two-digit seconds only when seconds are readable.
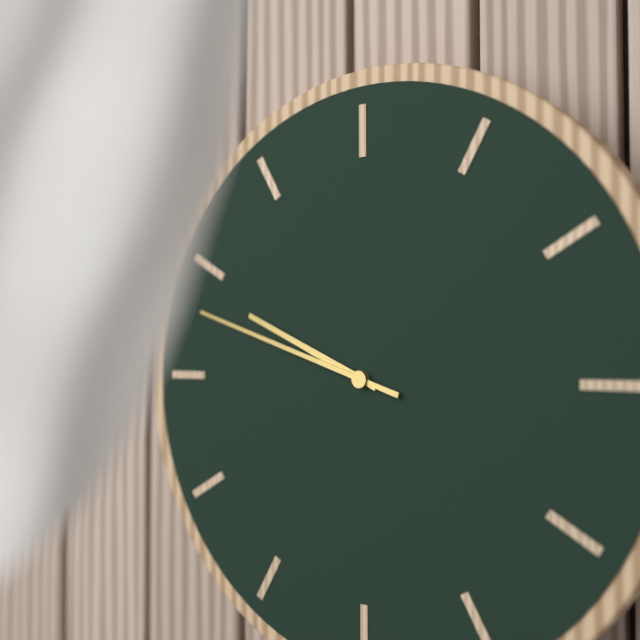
9.48
